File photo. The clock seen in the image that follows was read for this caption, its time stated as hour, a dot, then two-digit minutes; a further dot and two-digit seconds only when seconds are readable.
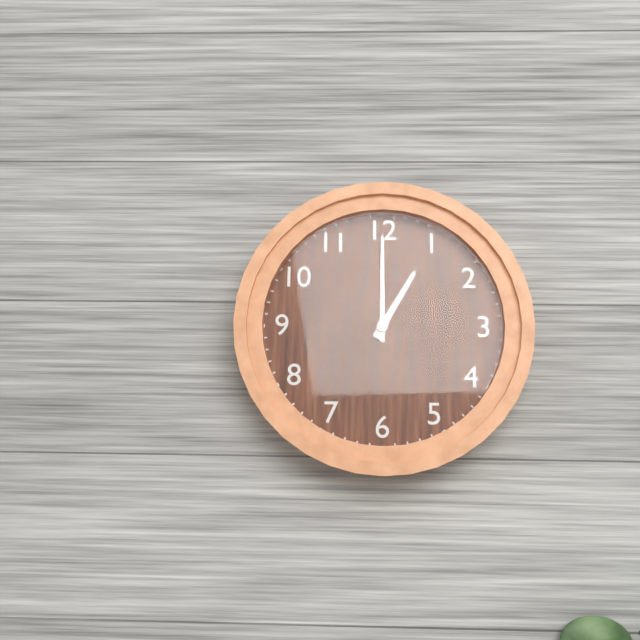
1.00
